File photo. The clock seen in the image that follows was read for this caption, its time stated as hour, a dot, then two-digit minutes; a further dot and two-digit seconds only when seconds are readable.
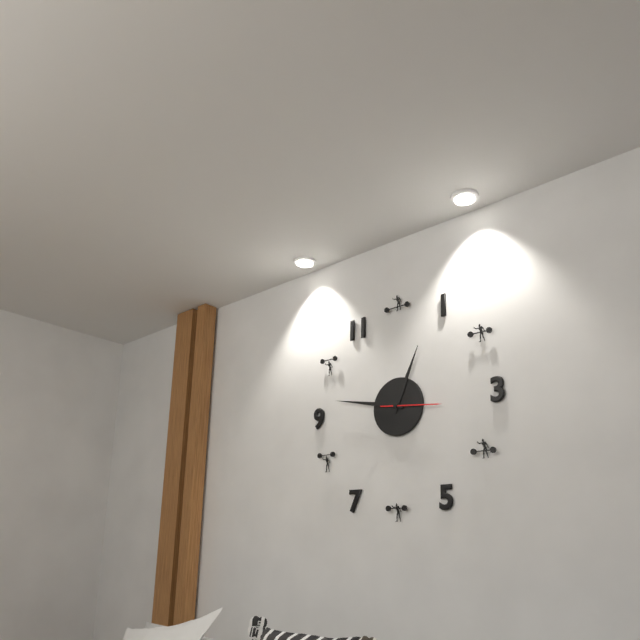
12.47.16
